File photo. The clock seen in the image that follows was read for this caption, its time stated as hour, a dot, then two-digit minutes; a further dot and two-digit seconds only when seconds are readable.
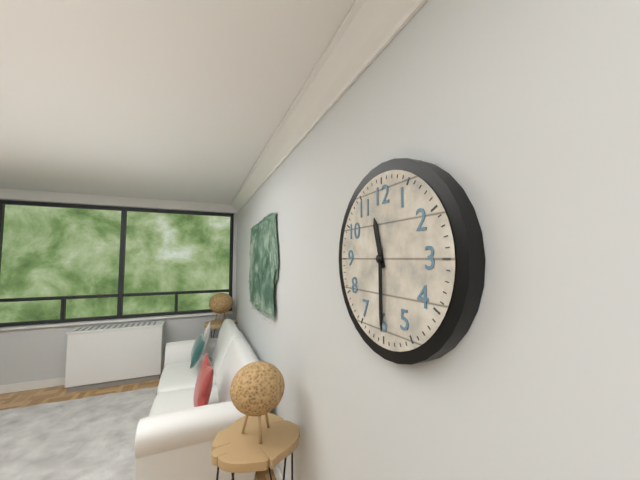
11.30
